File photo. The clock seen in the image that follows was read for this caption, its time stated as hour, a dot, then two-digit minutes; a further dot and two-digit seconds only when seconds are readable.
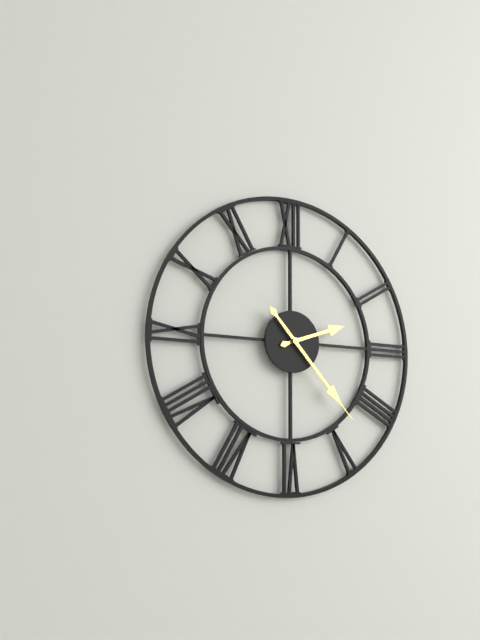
2.23
